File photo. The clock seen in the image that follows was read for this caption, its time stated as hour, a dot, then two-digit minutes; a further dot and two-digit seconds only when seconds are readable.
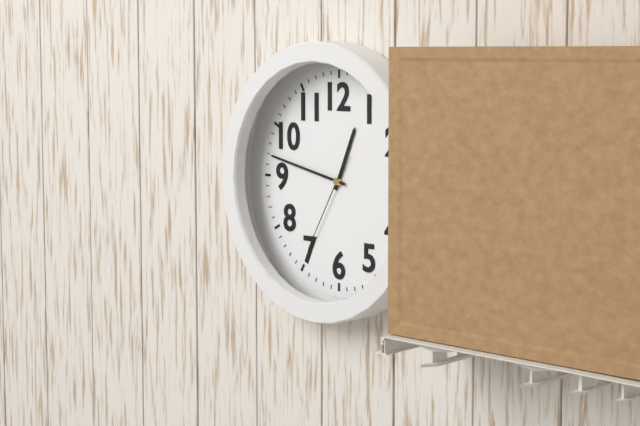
12.47.35
